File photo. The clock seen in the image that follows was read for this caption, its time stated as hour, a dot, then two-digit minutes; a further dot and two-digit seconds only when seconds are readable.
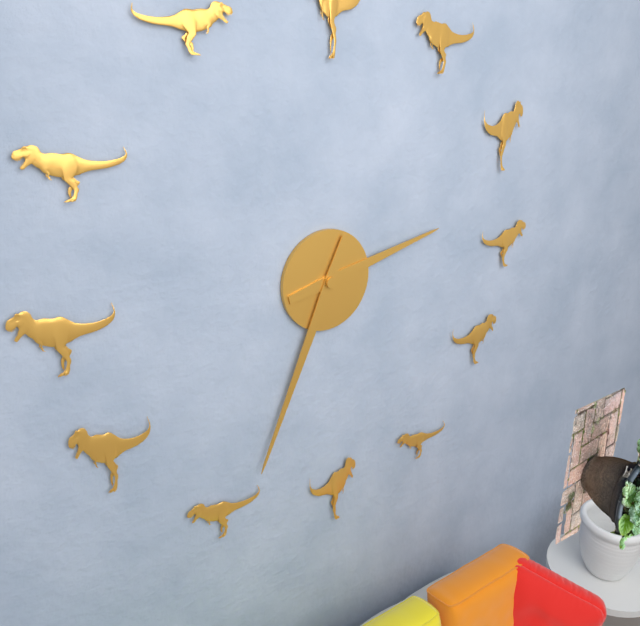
2.34
